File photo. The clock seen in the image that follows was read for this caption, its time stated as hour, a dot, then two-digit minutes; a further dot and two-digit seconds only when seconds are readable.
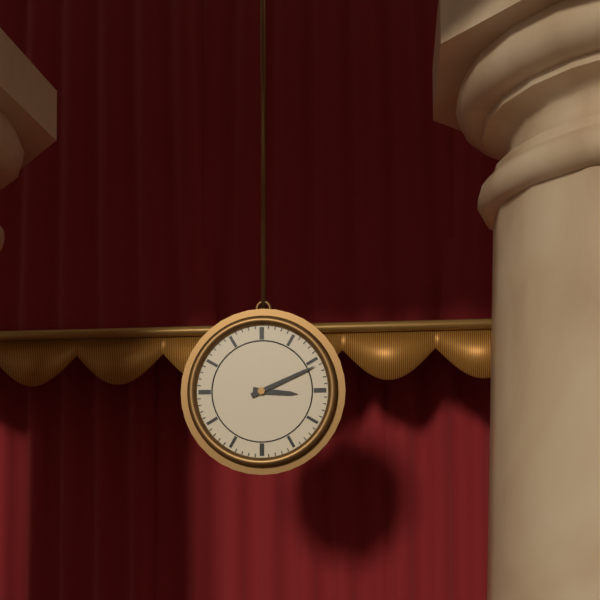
3.11
